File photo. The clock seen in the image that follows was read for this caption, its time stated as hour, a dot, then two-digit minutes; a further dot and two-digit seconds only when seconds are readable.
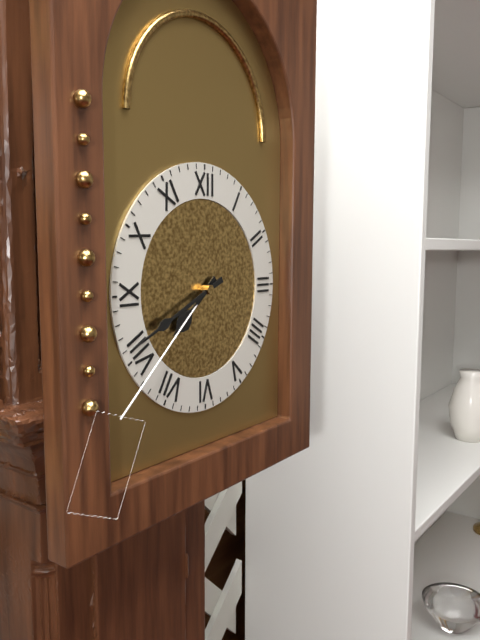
7.41
